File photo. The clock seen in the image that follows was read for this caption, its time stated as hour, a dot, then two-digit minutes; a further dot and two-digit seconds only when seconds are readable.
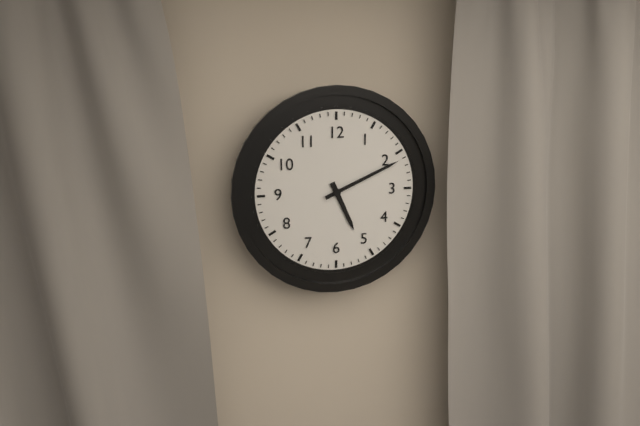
5.11
